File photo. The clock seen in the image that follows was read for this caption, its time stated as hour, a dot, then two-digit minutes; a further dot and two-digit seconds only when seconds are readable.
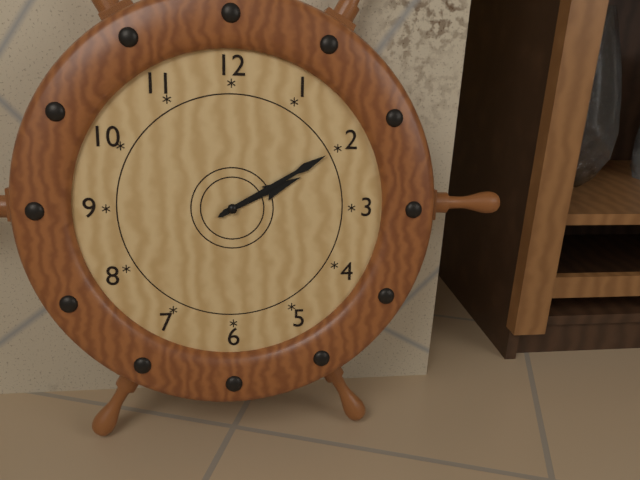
2.10
